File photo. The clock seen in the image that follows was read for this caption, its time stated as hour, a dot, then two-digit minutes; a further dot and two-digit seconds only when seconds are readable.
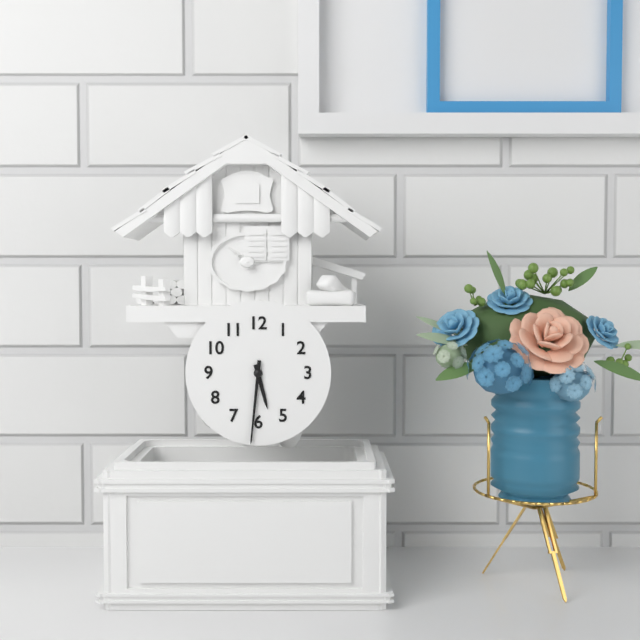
5.31
